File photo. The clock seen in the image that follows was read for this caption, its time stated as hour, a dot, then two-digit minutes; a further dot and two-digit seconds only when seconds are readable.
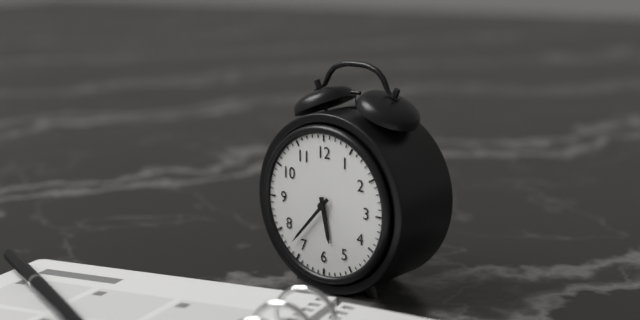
5.37
